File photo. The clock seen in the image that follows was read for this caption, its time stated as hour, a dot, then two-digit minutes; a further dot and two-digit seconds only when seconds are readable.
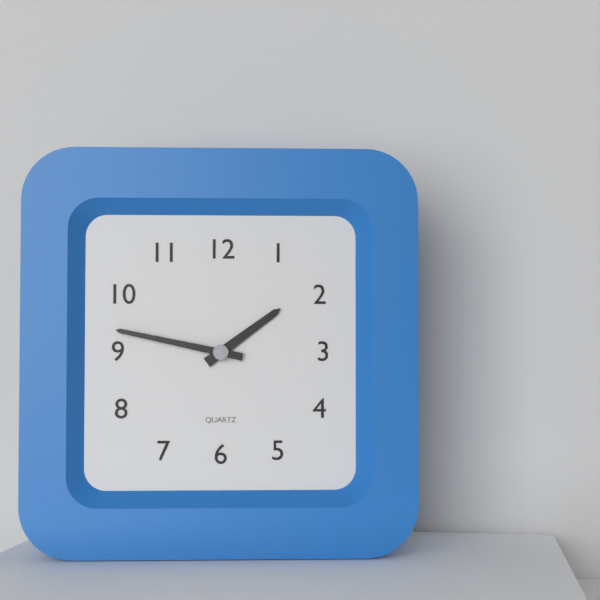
1.47
